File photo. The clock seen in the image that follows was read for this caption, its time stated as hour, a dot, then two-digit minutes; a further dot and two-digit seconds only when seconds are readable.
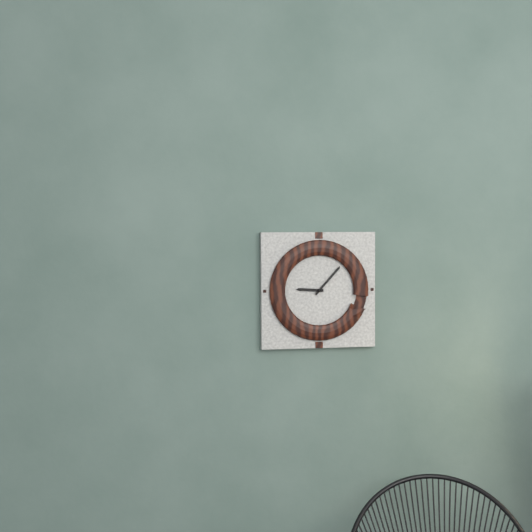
9.07
